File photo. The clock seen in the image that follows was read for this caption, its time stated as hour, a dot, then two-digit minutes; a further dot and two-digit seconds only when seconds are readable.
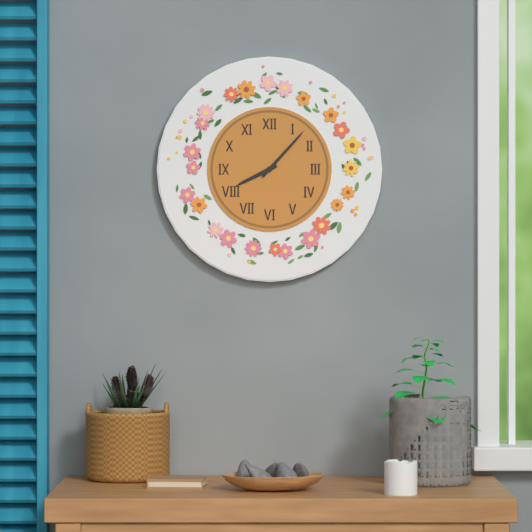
8.07
